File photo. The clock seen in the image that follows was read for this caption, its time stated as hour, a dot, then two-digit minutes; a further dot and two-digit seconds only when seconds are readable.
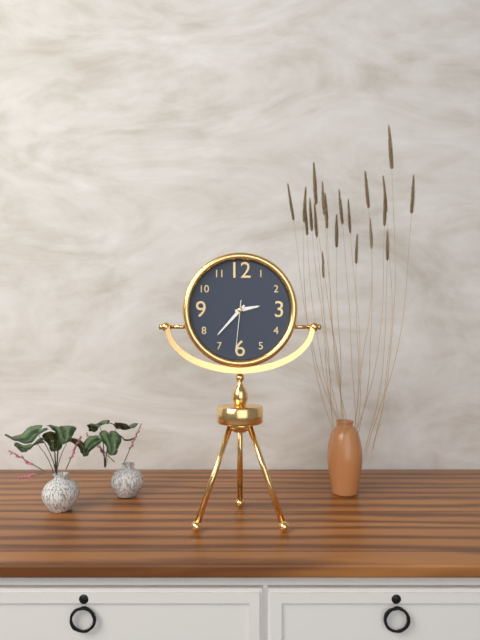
2.37.31
